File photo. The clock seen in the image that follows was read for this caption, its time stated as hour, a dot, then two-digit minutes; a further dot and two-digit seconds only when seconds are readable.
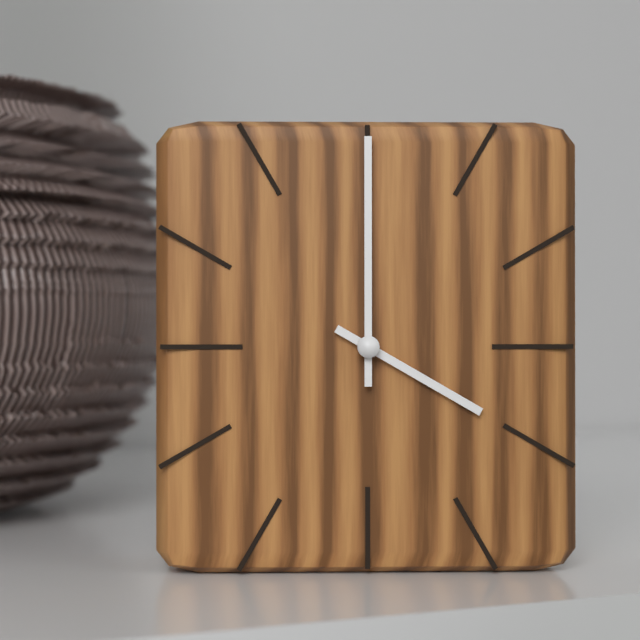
4.00
